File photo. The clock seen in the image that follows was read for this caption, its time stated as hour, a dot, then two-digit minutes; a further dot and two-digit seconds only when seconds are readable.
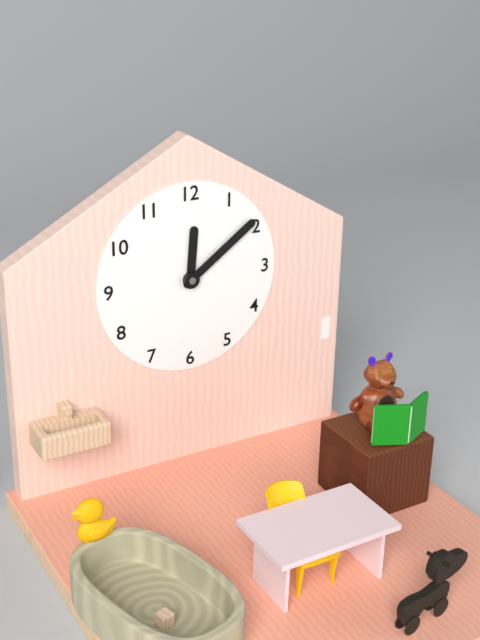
12.09
